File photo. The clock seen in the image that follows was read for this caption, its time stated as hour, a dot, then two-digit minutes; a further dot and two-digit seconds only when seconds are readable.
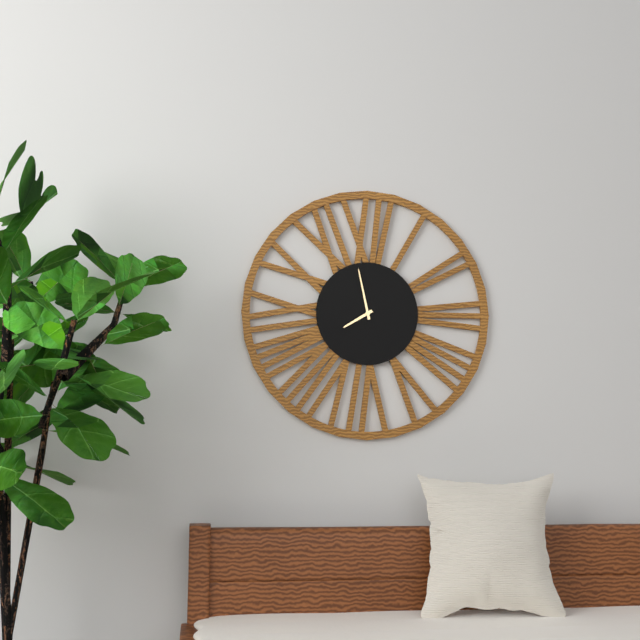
7.58
